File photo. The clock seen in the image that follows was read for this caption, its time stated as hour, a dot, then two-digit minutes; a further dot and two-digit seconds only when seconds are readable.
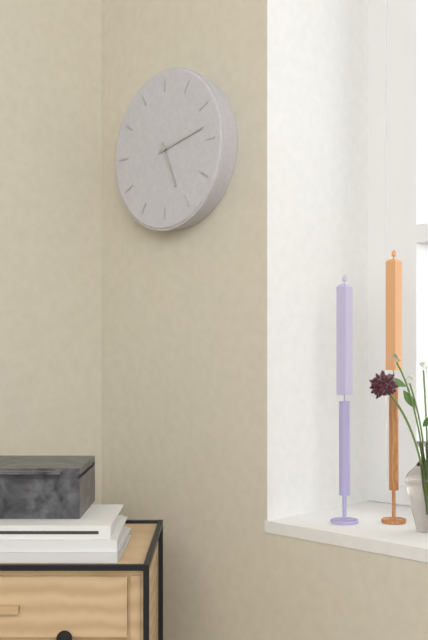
5.13
